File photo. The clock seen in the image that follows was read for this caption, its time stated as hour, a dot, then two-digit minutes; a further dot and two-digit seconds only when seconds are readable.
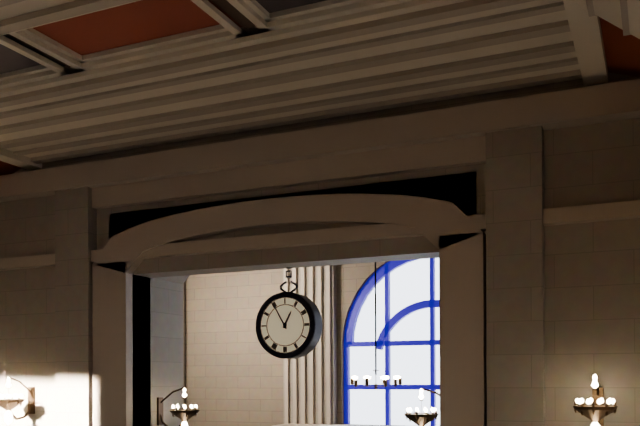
12.55
